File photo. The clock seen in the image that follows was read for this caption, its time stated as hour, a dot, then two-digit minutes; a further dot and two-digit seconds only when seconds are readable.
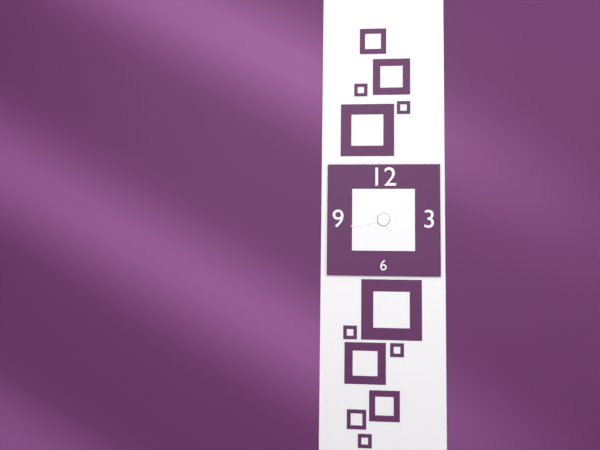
4.43
